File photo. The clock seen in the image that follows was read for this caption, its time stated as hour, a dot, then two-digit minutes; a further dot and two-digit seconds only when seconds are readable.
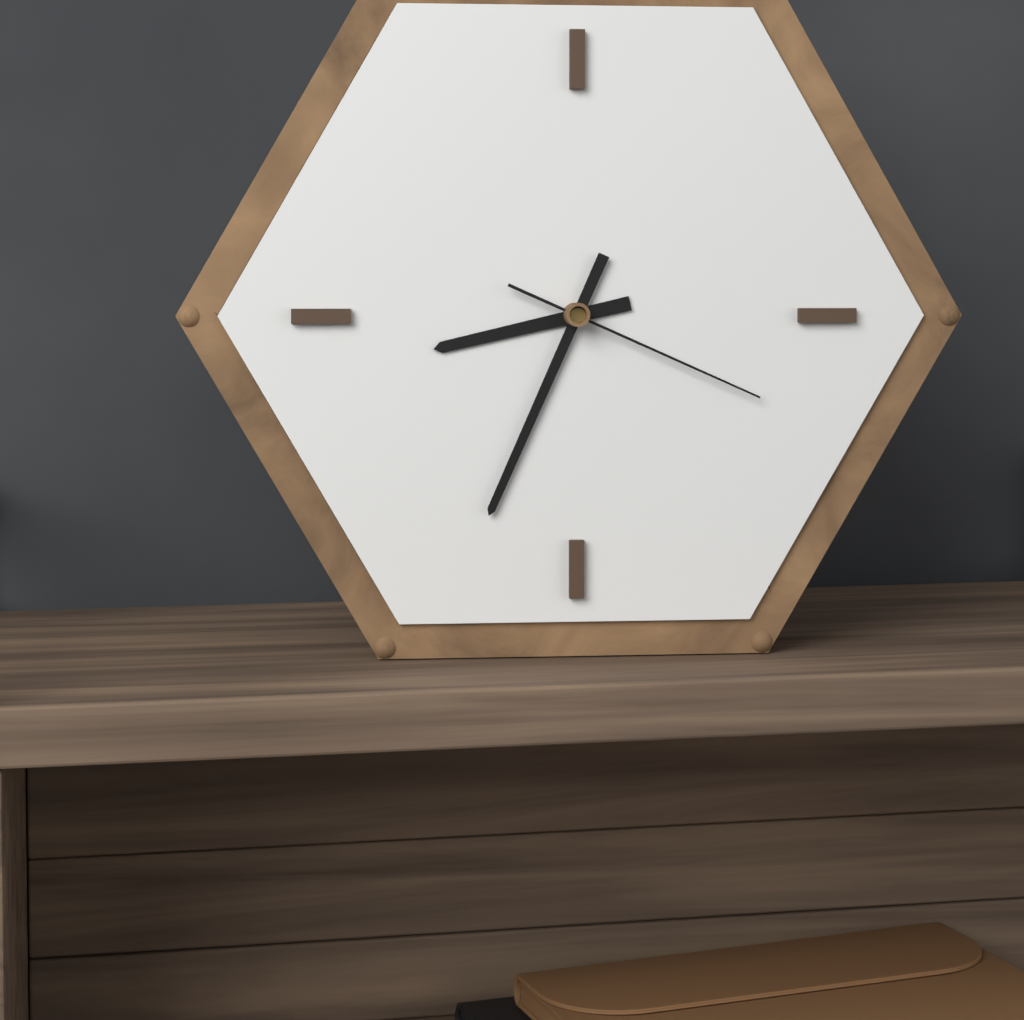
8.34.19
